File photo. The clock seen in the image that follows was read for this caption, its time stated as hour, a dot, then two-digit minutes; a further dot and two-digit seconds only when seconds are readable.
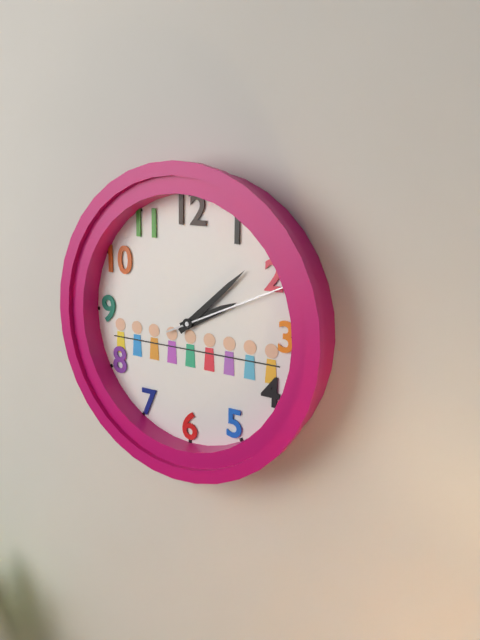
2.08.11
